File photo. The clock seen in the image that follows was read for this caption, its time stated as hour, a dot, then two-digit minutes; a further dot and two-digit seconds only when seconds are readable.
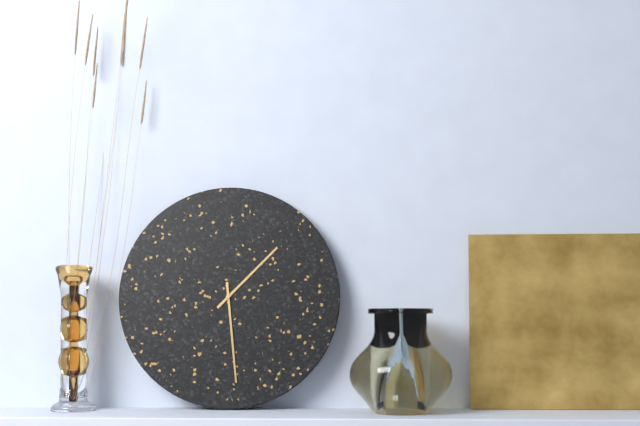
1.29
